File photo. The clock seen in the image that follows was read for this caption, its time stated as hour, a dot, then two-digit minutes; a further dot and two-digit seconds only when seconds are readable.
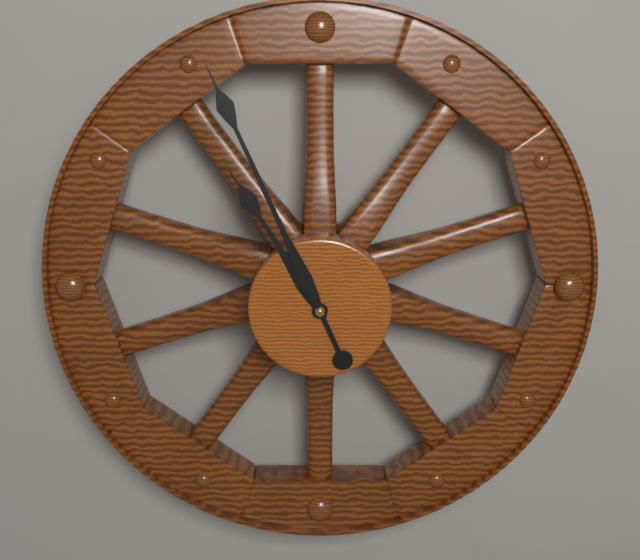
10.56
